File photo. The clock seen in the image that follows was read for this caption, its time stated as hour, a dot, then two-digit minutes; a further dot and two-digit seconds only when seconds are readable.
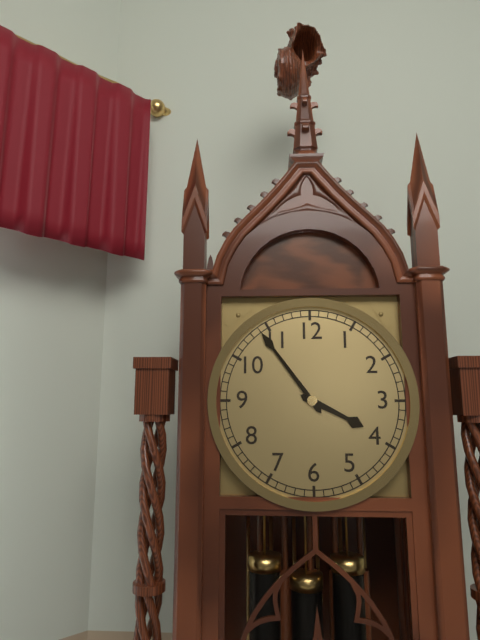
3.54
